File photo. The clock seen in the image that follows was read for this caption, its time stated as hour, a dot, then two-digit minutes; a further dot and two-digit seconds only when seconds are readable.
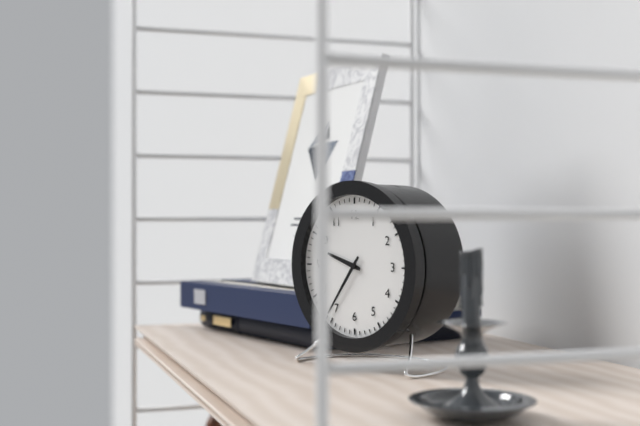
9.36
